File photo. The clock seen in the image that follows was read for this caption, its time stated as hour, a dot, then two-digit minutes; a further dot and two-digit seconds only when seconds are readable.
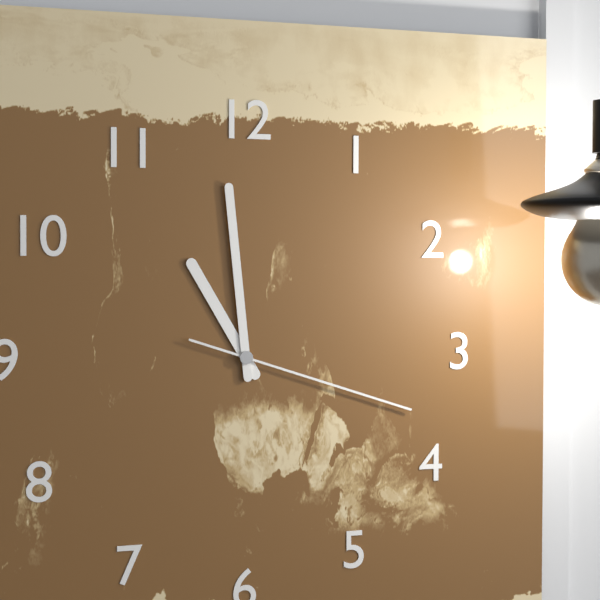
10.59.18
